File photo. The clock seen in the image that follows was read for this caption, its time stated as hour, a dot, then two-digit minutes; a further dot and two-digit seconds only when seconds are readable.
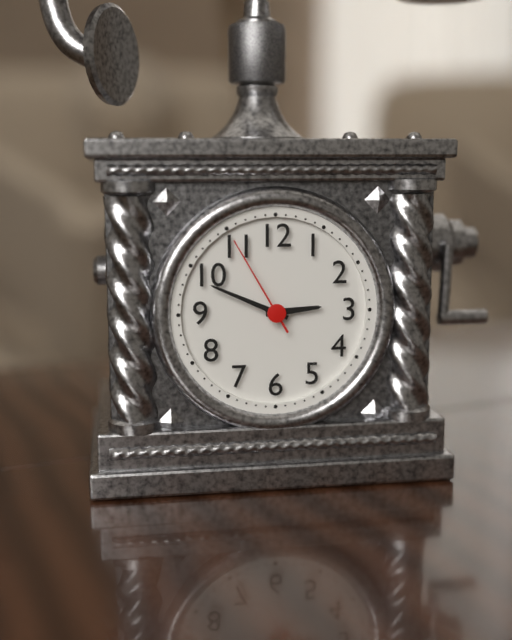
2.49.55
